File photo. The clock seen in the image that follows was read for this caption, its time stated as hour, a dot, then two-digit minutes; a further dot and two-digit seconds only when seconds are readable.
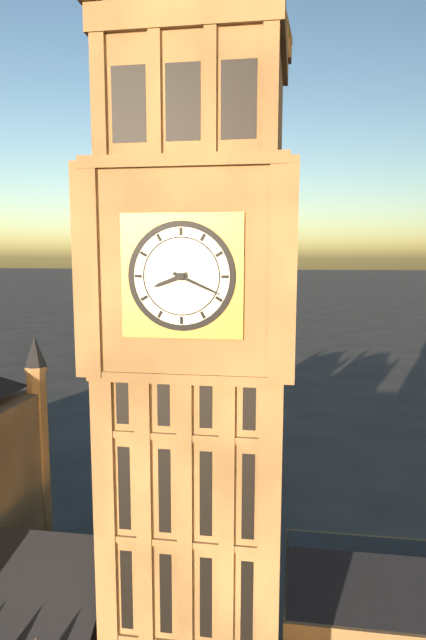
8.19
